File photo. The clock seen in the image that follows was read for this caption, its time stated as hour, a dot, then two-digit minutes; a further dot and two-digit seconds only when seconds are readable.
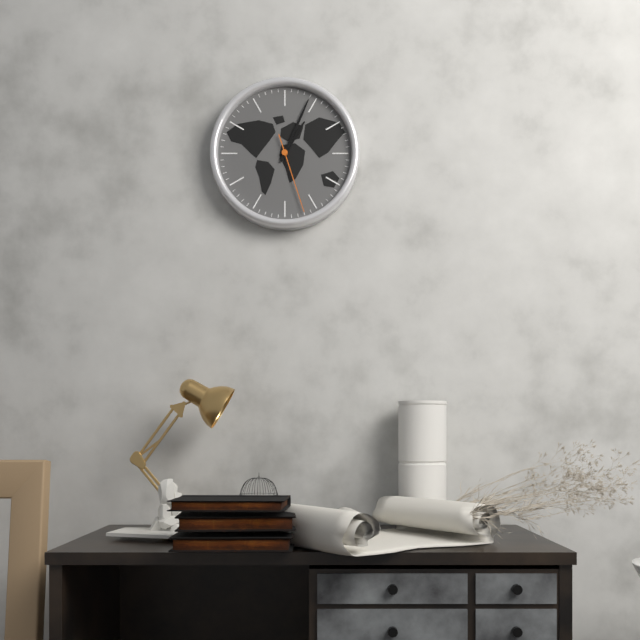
1.04.27
